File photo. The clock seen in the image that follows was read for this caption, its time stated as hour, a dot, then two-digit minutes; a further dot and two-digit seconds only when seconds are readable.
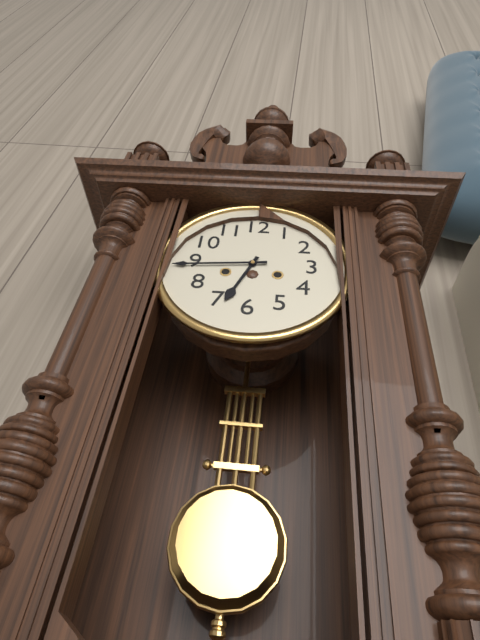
6.44
